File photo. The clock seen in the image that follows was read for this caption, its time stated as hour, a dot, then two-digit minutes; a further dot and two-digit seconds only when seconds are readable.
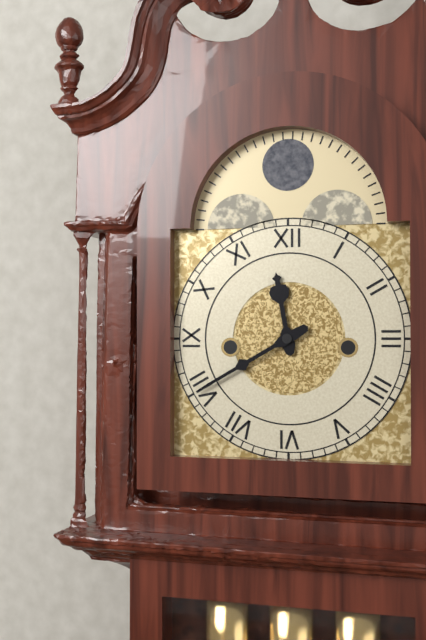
11.40
